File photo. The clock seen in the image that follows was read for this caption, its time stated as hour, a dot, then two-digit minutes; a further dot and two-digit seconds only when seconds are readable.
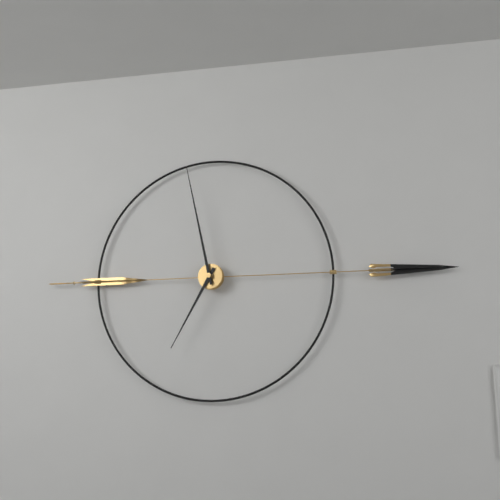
6.58
